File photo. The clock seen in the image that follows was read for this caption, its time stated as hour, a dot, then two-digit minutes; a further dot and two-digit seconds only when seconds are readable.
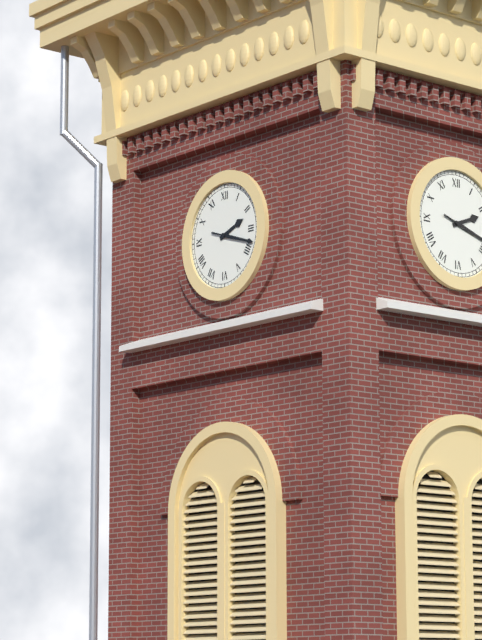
2.18
